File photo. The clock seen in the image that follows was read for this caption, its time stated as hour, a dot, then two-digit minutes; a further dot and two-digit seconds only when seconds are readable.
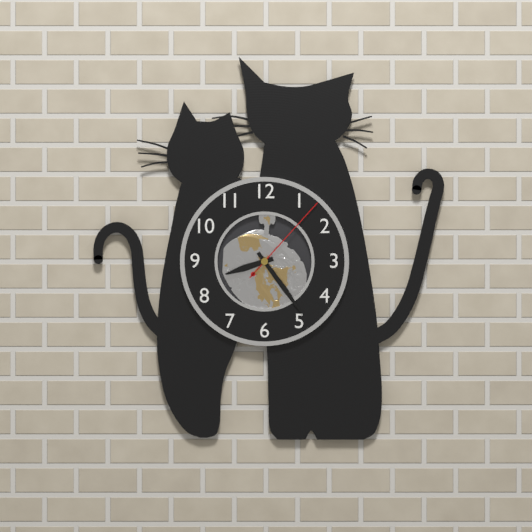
8.24.07
